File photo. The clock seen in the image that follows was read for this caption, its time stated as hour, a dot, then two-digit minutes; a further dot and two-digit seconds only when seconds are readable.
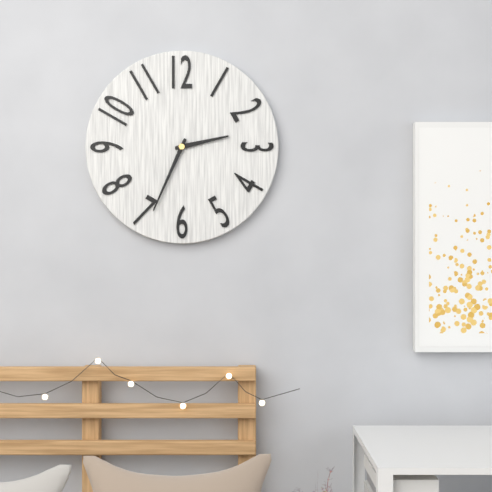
2.34
